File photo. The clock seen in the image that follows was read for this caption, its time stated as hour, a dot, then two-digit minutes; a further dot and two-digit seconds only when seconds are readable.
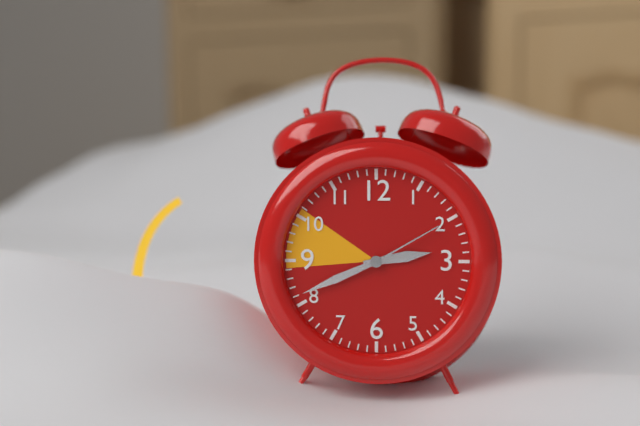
2.41.10
